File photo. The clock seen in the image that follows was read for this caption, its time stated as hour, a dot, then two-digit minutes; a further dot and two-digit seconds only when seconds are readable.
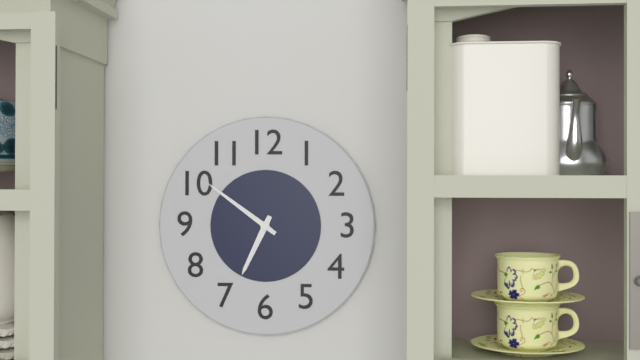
6.51
